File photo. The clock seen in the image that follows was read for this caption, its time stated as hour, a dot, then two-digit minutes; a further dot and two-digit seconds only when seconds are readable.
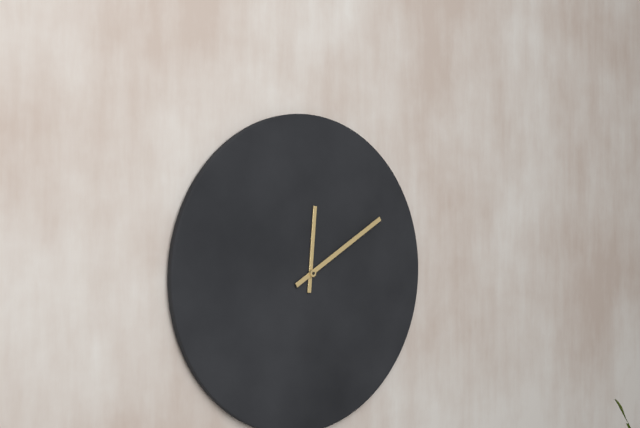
12.10
